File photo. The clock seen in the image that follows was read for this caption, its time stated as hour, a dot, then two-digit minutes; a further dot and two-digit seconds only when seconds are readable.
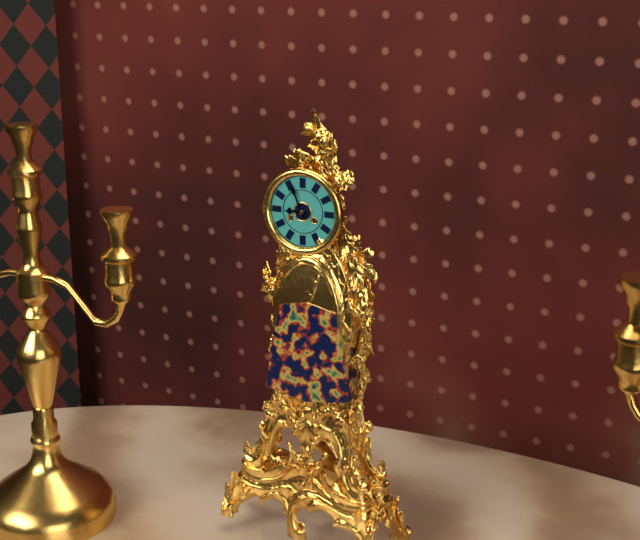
8.56
